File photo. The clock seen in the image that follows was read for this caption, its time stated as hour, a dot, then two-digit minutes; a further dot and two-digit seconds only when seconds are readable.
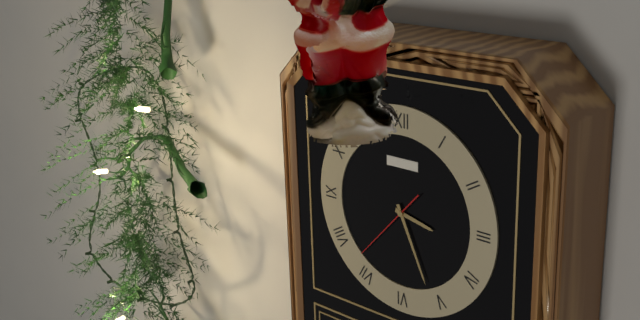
3.26.37
